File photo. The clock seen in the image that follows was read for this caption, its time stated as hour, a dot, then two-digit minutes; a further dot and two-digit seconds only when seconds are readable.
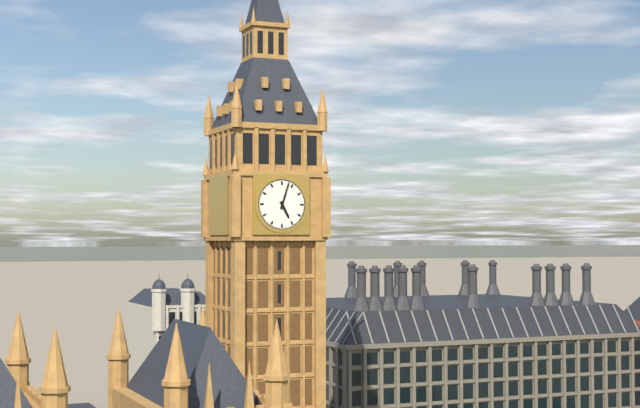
5.03
